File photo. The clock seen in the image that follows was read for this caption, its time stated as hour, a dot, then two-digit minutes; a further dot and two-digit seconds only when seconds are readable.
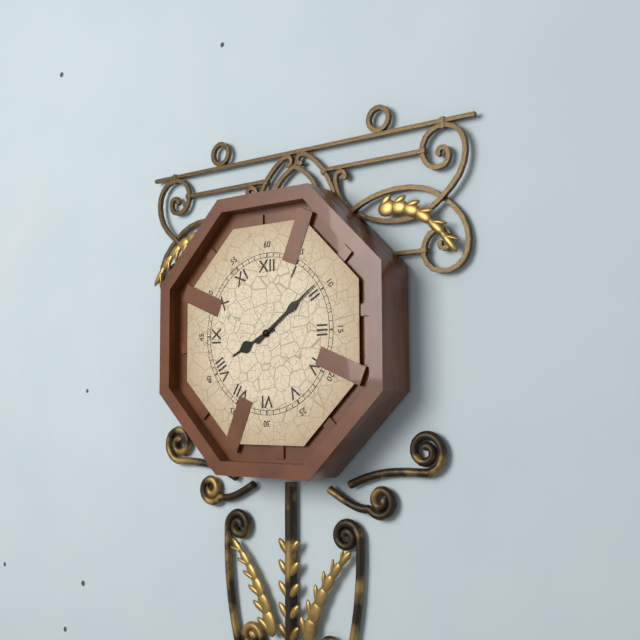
8.09
